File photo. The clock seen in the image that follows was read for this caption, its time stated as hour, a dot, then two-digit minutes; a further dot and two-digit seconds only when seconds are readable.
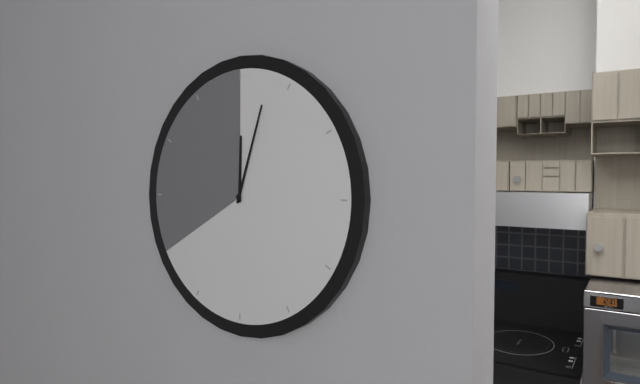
12.03
